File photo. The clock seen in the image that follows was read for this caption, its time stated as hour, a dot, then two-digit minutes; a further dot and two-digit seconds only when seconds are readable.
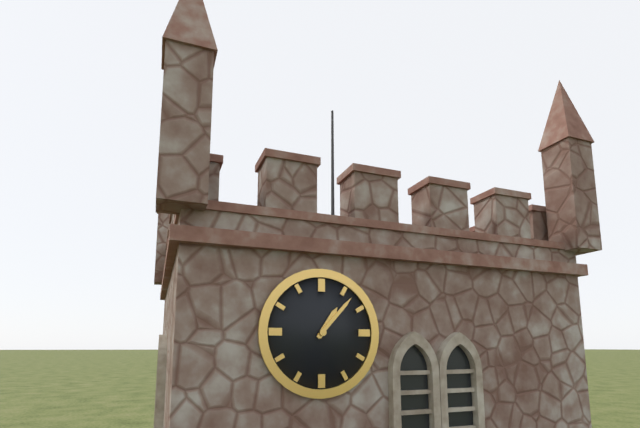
1.07
